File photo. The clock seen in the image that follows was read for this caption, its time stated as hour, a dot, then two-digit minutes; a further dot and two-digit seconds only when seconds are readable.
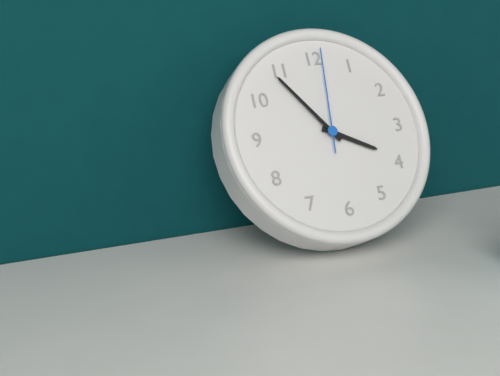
3.54.01
